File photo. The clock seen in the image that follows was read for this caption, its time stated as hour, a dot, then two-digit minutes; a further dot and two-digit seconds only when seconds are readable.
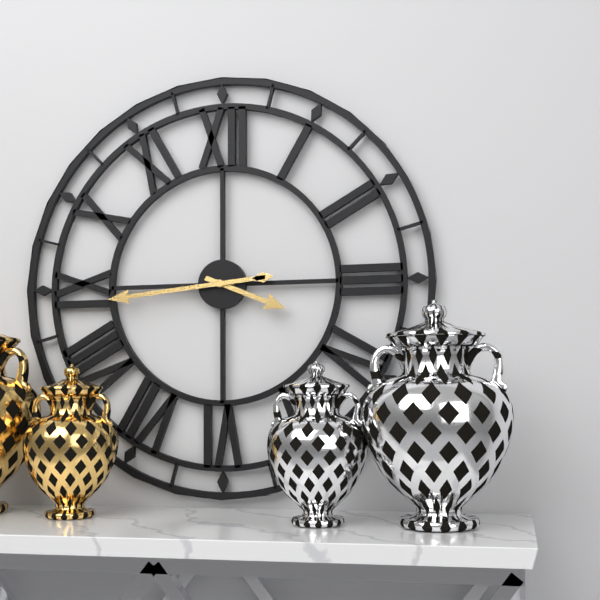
3.44
